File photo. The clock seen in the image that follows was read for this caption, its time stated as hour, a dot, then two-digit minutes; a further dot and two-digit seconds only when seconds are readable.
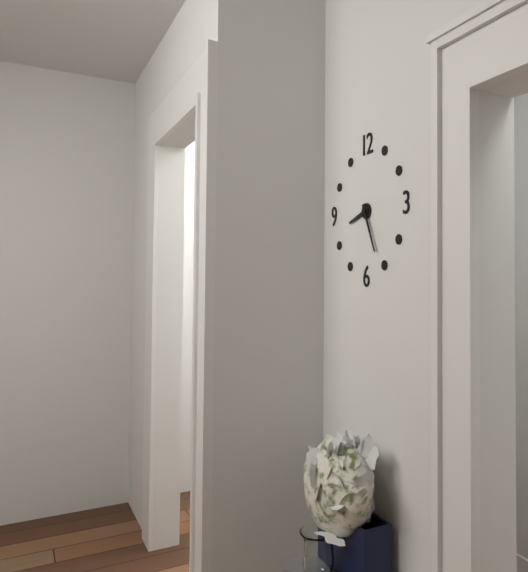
8.26
